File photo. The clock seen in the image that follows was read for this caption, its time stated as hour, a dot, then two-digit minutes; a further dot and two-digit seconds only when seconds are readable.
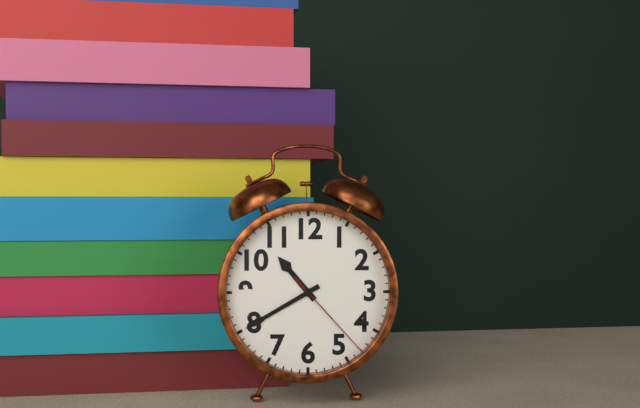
10.40.23
